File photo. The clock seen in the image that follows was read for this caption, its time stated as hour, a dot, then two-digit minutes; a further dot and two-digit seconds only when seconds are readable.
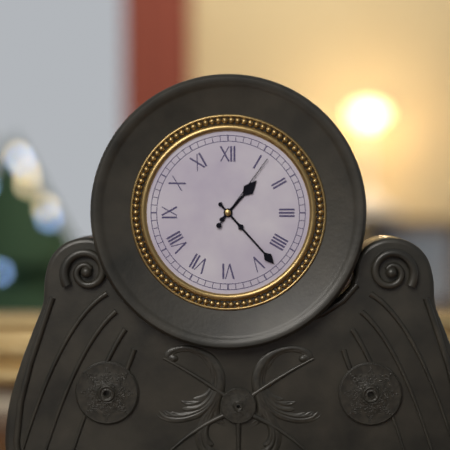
1.23.06
